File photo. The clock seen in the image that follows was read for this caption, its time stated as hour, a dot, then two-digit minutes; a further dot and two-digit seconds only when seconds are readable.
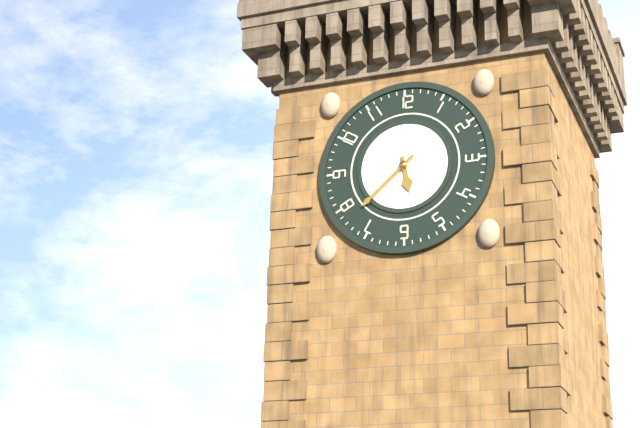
5.38
